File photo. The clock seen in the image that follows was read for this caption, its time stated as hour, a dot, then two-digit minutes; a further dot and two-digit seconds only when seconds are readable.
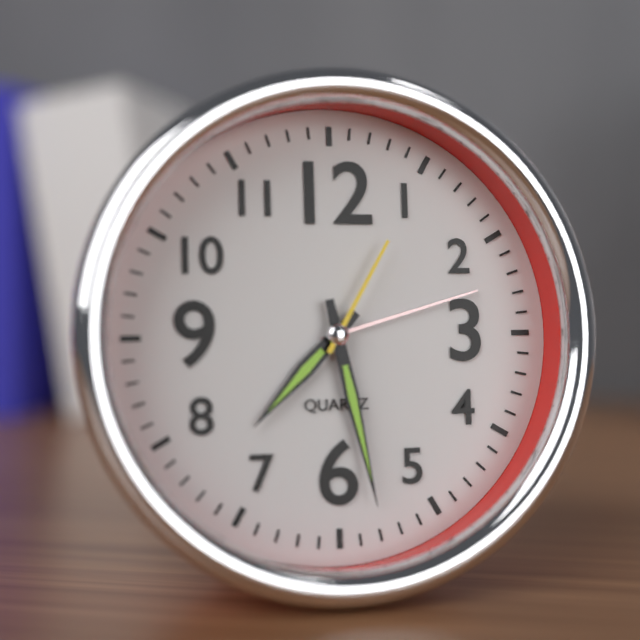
7.28.05
